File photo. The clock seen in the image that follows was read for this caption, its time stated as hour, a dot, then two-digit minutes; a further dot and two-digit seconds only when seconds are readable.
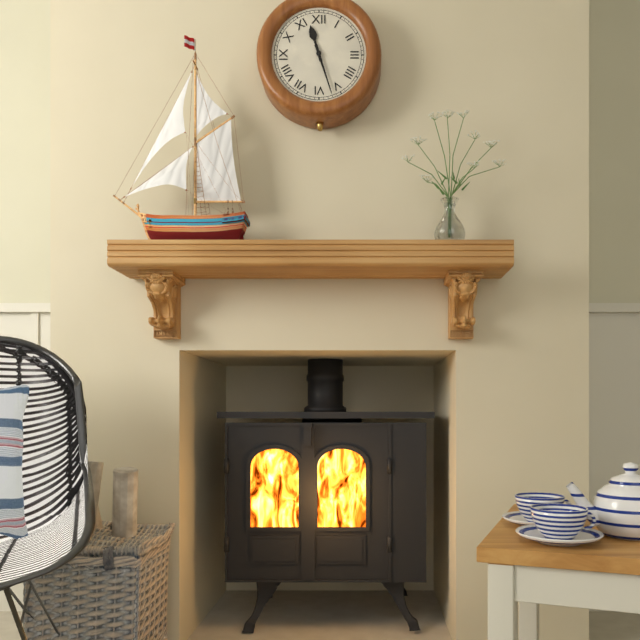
11.27
